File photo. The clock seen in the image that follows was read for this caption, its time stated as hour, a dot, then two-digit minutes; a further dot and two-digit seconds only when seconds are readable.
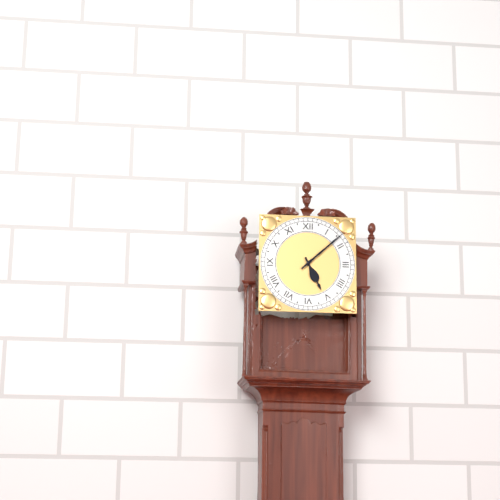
5.08
